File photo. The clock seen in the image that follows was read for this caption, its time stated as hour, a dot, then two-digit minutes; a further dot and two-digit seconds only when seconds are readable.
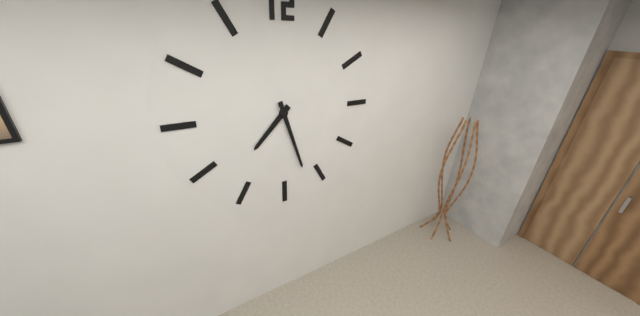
7.27
